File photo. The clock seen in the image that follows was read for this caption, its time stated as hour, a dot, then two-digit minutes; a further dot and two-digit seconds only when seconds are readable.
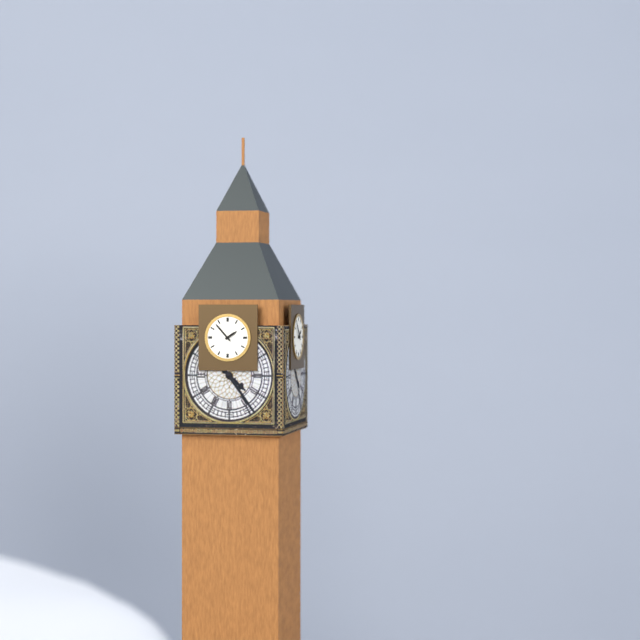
1.53
